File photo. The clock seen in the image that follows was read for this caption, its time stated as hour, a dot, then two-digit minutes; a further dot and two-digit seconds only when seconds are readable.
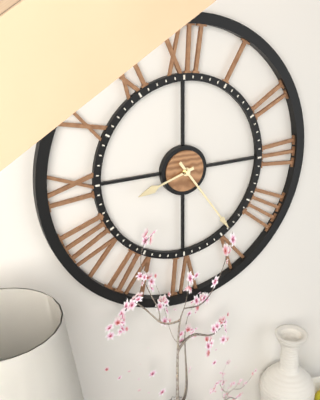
8.24
